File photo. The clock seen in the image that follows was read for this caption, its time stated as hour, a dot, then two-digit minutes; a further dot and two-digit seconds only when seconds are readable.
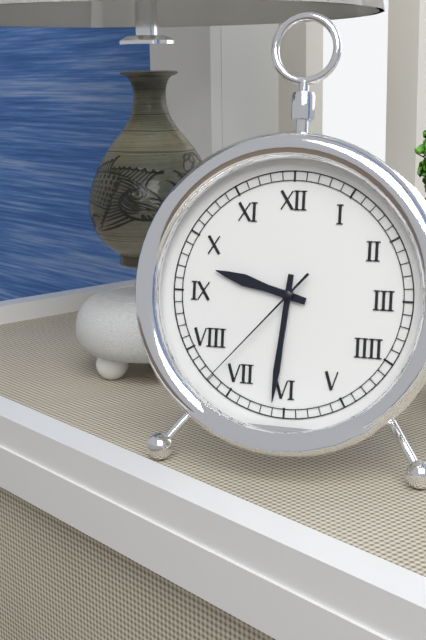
9.31.37
